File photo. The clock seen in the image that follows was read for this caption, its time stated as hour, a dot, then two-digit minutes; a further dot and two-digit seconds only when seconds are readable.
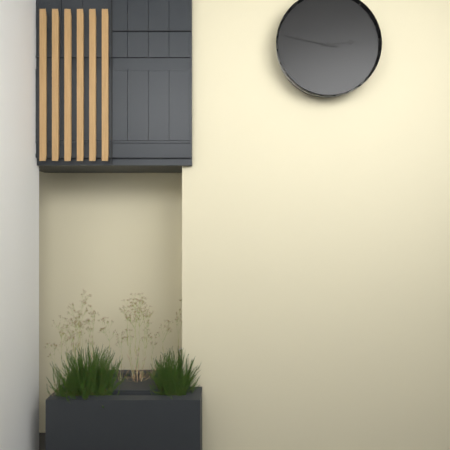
2.47
